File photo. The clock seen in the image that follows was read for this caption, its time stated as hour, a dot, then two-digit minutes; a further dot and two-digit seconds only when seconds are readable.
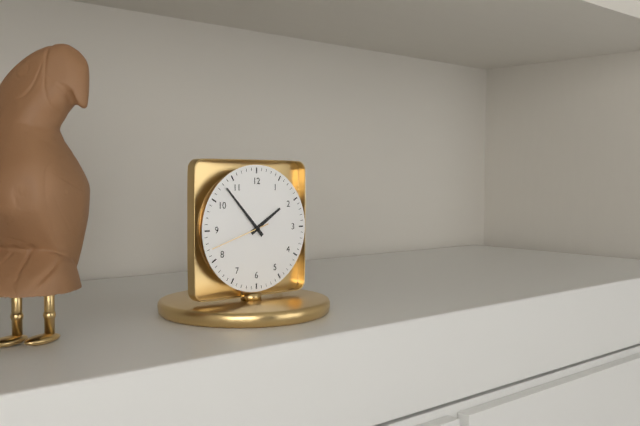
1.53.42
